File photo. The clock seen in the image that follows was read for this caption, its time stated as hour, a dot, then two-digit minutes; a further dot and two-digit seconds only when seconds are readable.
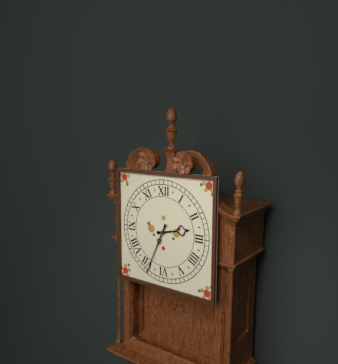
2.34
